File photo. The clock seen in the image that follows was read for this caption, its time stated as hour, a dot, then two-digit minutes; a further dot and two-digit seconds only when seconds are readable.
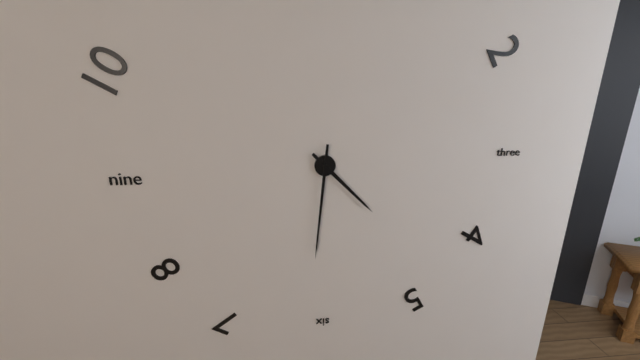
4.31
